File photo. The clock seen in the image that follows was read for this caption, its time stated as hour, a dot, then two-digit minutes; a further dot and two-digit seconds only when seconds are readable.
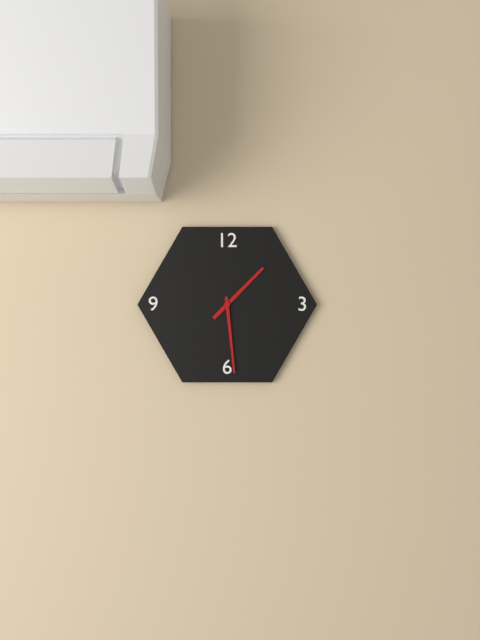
1.29
